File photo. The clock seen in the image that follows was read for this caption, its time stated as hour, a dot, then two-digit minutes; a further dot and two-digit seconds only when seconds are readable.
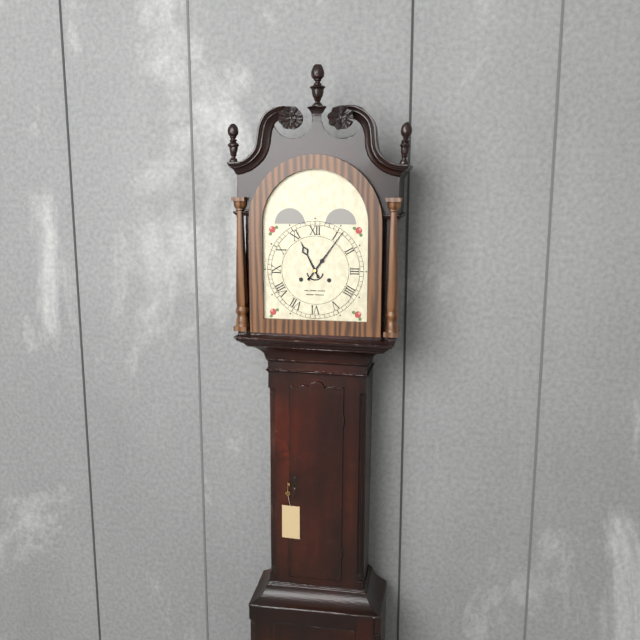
11.06
